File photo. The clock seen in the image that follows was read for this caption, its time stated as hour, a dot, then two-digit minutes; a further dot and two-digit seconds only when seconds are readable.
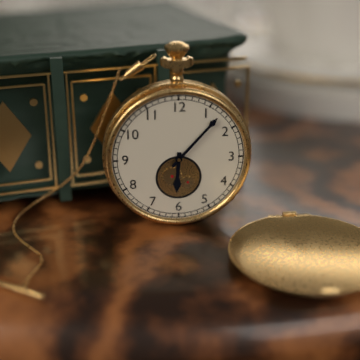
6.07
